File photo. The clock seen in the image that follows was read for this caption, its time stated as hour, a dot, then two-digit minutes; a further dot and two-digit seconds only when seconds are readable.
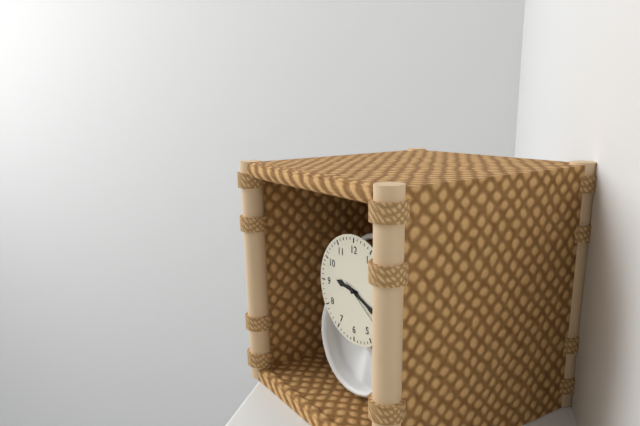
9.19.21
